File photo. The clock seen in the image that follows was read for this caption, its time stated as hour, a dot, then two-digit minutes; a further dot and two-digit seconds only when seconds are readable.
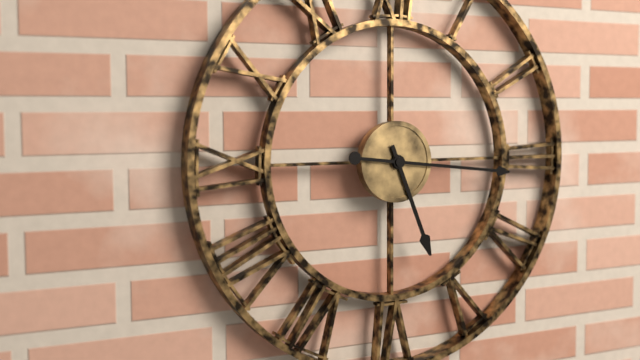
5.16
